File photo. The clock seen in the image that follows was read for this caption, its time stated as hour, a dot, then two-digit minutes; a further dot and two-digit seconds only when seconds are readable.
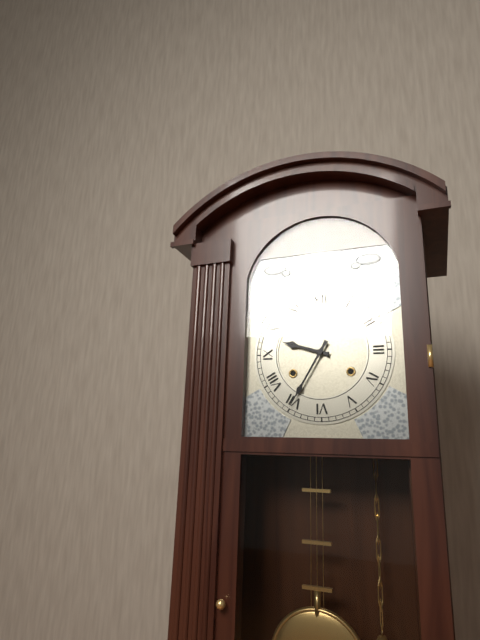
9.35
